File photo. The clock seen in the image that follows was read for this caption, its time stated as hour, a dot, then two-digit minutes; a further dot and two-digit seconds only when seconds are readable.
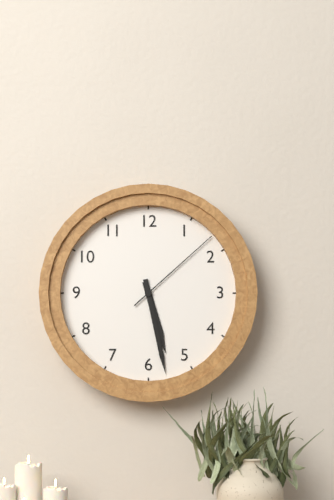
5.28.08
